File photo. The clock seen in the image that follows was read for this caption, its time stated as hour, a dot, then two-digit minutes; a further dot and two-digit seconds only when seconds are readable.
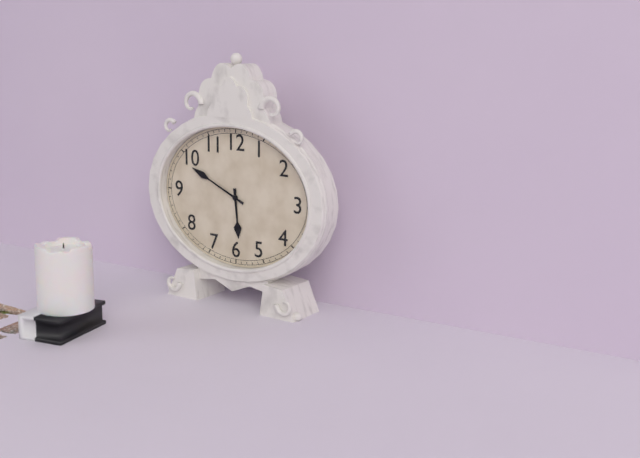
5.49
